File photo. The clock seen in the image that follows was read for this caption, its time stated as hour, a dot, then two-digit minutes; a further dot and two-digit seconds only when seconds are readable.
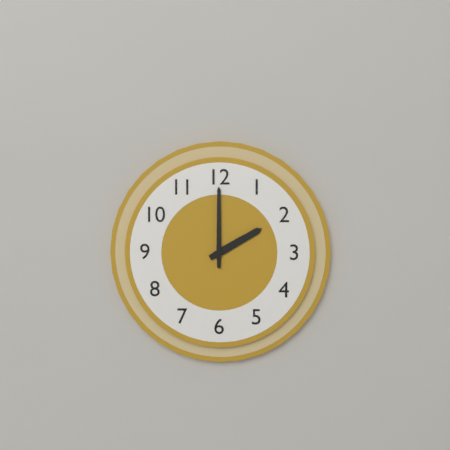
2.00
